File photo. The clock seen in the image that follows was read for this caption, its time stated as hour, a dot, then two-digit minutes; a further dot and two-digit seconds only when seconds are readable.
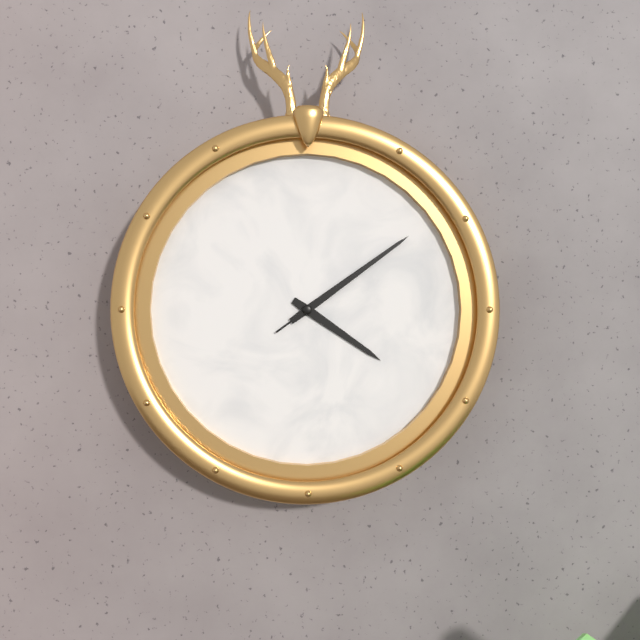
4.09.09
